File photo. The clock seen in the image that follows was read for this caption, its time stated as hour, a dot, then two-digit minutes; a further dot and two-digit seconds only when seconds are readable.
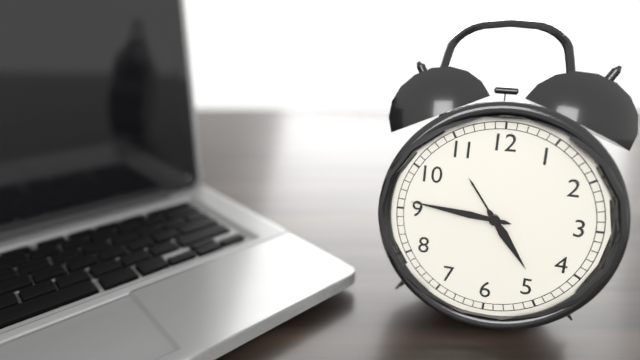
4.46
